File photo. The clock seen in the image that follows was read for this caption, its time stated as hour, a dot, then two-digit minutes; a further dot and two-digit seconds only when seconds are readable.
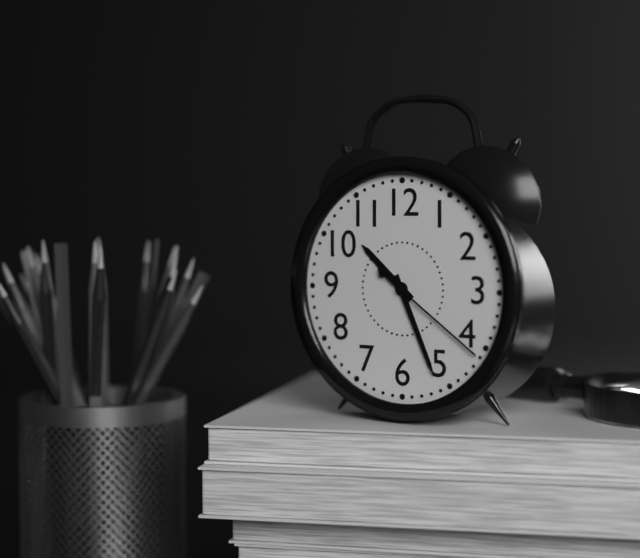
10.26.21
